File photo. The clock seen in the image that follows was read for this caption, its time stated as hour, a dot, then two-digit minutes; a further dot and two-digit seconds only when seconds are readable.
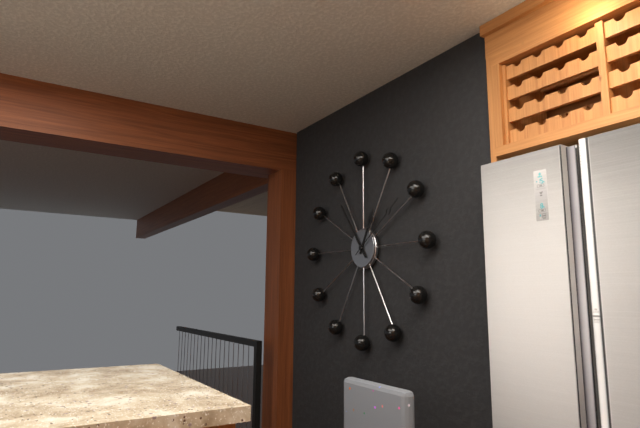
12.54.09
